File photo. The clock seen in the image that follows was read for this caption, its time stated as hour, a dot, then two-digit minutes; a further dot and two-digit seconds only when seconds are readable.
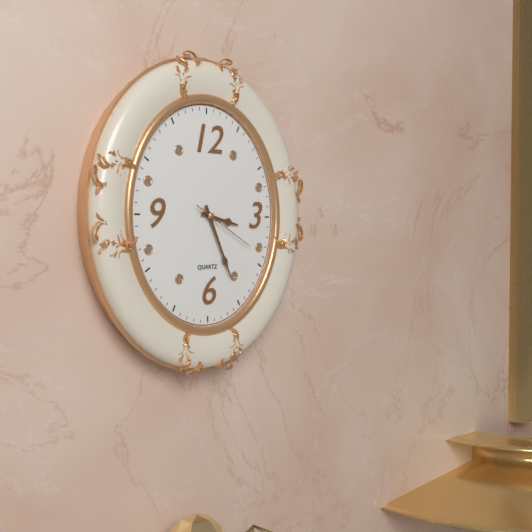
3.26.20
